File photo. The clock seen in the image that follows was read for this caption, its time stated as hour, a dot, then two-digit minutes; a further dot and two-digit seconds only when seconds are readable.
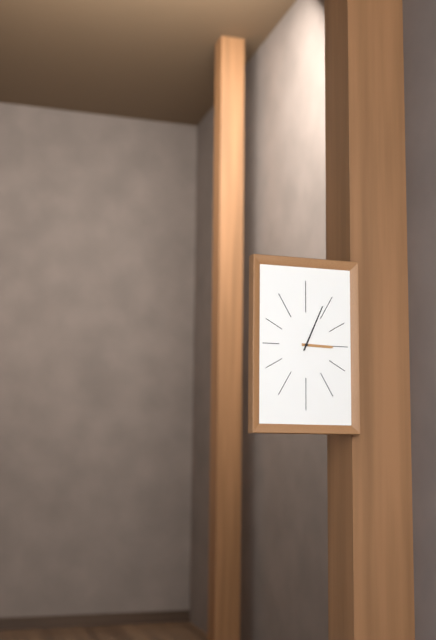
3.04
